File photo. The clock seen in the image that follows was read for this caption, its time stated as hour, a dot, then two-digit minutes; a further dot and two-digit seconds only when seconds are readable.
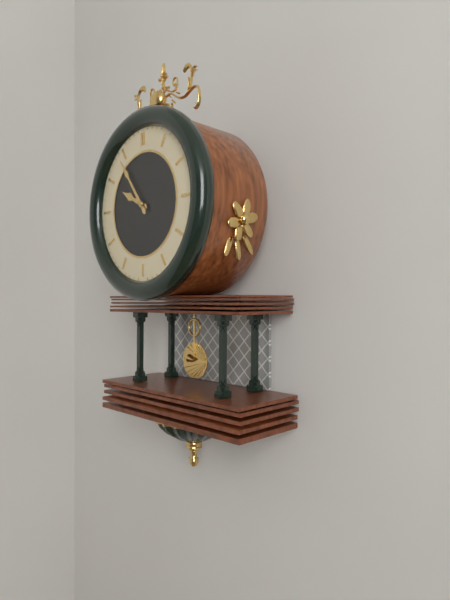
9.54
